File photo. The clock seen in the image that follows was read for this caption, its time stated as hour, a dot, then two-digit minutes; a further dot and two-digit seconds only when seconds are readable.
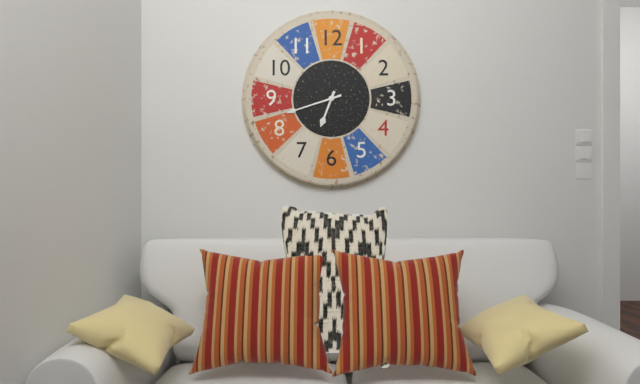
6.42
